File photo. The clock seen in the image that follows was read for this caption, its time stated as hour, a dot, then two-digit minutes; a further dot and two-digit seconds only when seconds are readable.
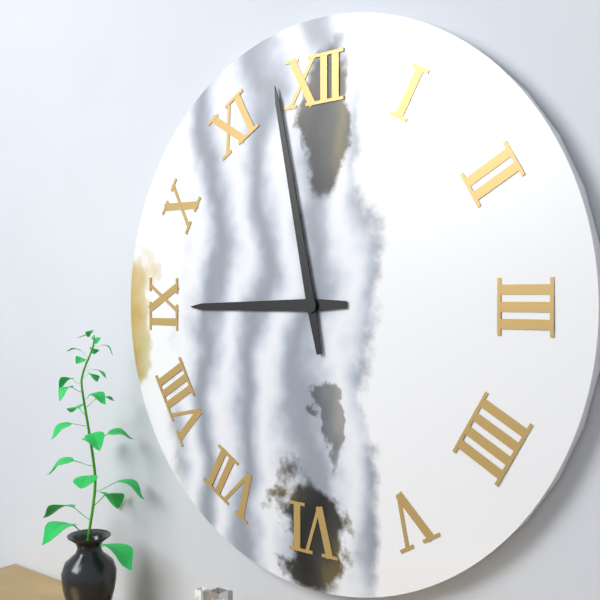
8.58
